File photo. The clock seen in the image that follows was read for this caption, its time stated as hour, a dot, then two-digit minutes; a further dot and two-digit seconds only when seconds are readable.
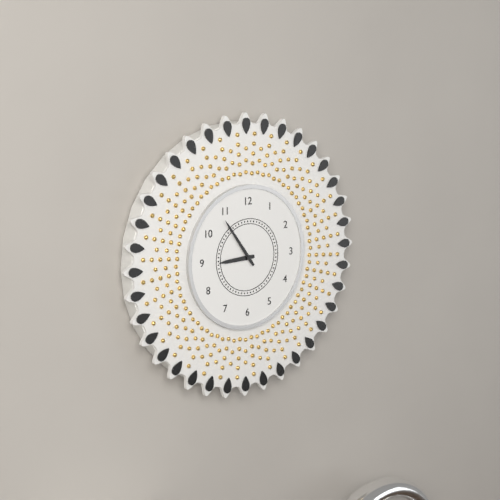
8.54
